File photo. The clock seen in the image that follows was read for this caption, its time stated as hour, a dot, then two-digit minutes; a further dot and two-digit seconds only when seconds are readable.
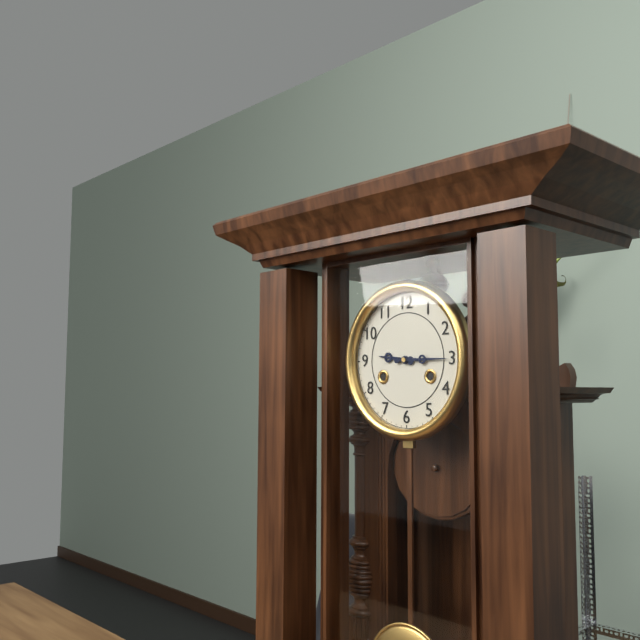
9.15
